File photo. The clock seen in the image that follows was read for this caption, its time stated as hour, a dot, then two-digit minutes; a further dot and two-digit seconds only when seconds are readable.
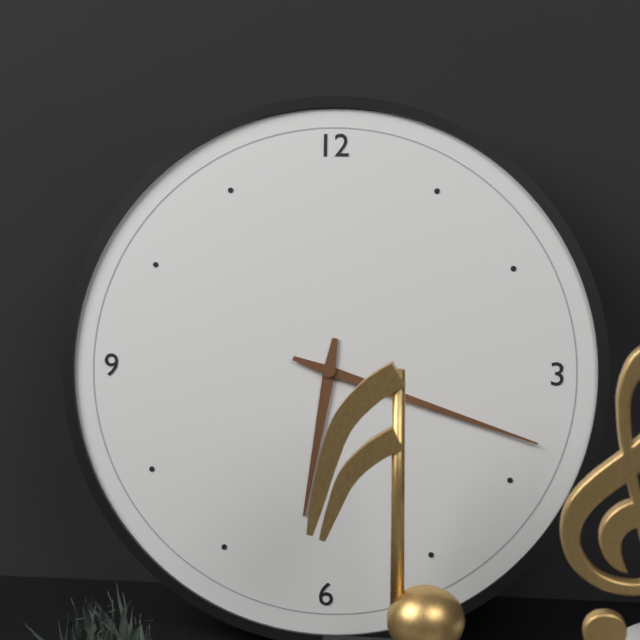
6.18
